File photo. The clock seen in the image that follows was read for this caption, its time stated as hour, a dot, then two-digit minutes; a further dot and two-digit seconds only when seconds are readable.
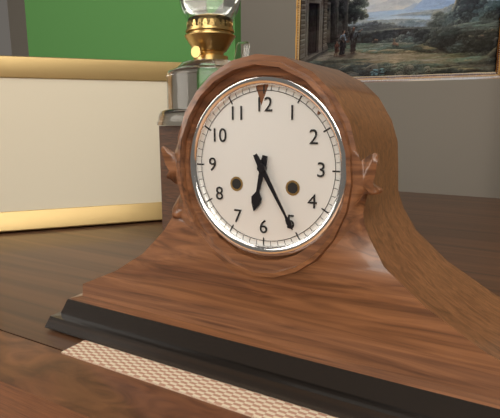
6.25
